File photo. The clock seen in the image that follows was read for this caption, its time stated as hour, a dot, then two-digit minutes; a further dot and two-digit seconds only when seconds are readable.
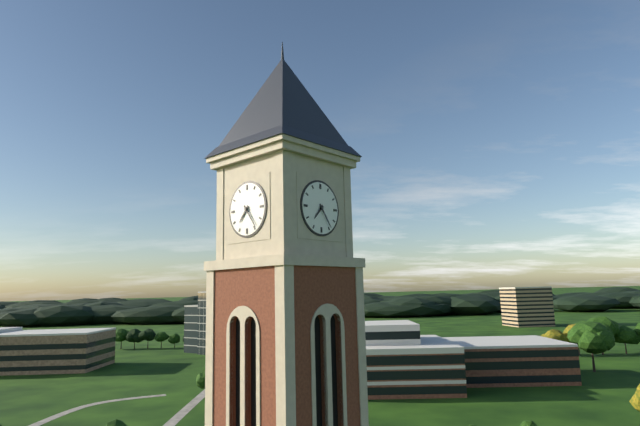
7.24
